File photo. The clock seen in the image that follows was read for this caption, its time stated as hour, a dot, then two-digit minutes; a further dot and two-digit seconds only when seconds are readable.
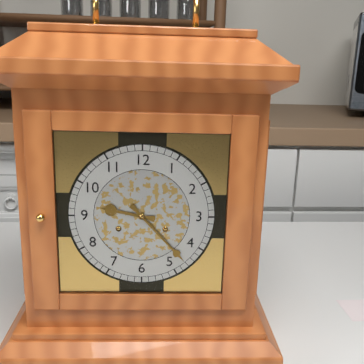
9.23
